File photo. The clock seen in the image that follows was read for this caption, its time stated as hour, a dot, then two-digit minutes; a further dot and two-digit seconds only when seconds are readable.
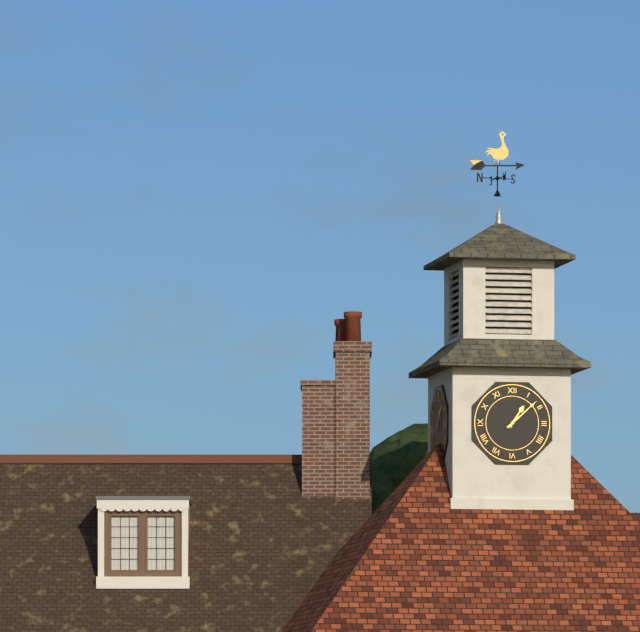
1.08
